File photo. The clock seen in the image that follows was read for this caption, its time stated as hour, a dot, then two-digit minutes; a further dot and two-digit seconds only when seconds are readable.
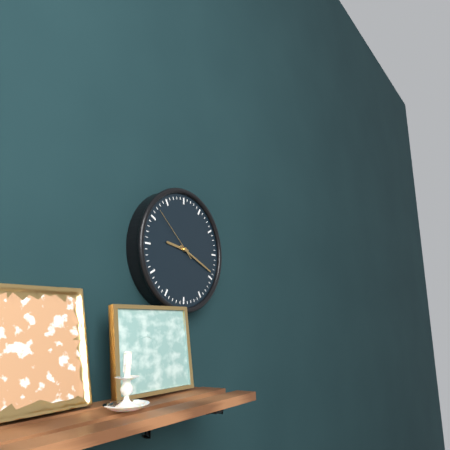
9.19.52
